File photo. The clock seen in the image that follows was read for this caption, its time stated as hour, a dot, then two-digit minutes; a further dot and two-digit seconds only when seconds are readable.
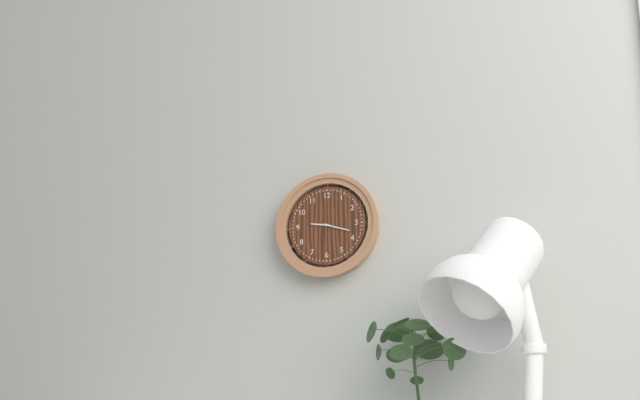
9.18
